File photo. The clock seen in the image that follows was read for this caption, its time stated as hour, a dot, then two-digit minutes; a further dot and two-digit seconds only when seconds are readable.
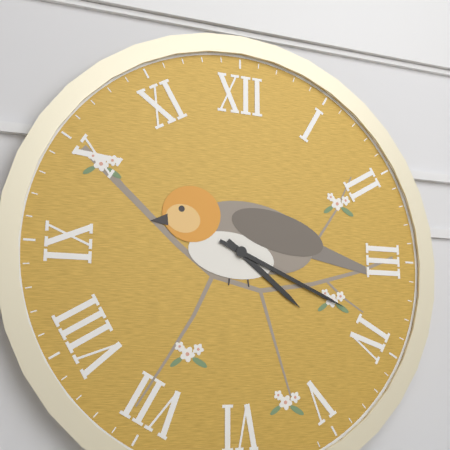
4.19
